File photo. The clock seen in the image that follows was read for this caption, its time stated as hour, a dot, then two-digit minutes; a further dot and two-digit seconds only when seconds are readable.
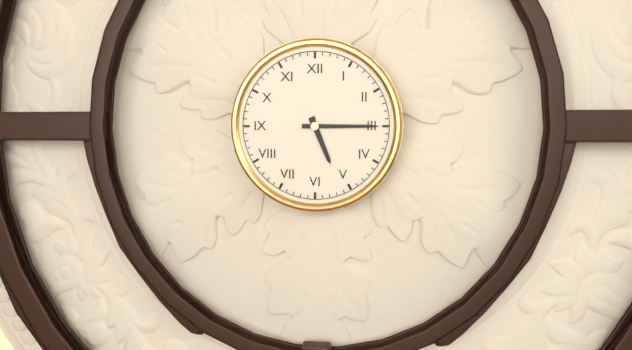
5.15
